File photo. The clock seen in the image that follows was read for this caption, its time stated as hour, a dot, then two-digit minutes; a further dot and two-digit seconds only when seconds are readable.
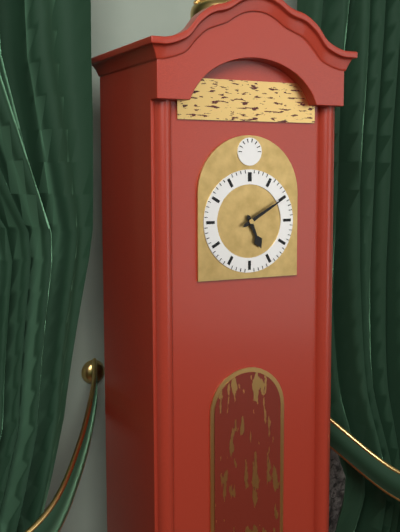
5.10
